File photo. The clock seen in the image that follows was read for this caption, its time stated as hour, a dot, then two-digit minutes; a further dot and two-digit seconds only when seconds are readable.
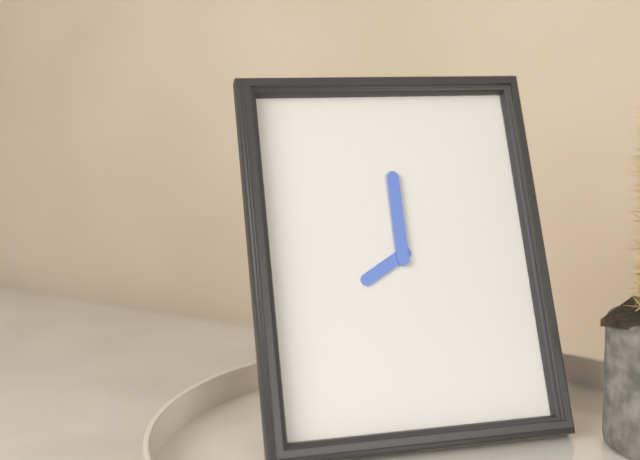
8.00
